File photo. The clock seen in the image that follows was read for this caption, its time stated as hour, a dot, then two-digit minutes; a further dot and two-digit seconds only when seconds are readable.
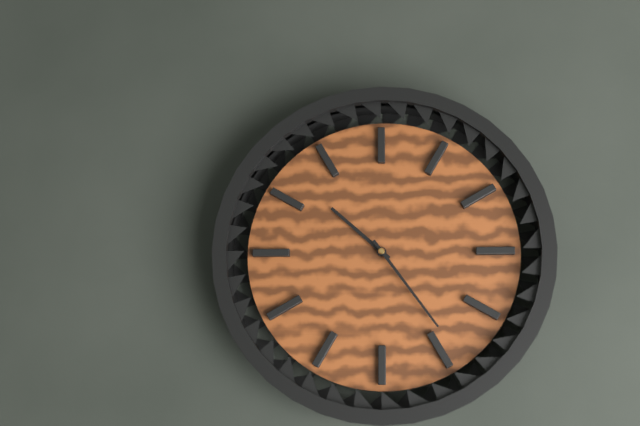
10.24
